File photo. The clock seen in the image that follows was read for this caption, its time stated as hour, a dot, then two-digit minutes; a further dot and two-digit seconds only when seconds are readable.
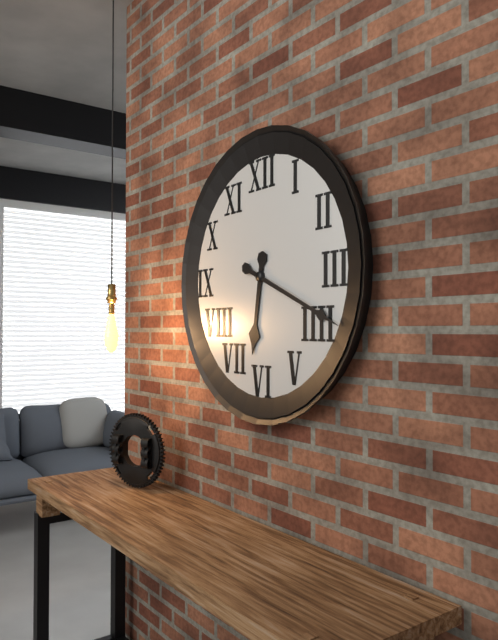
6.19
